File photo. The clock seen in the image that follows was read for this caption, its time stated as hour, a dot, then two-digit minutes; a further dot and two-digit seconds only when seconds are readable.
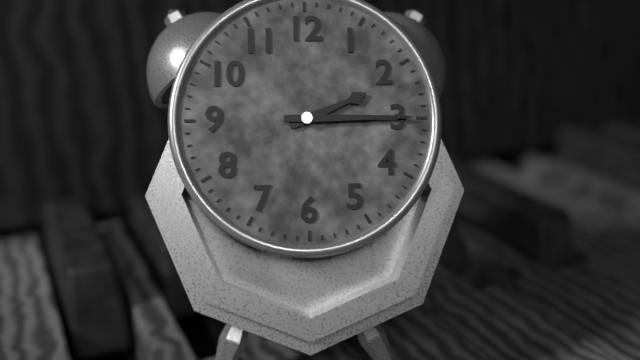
2.15
